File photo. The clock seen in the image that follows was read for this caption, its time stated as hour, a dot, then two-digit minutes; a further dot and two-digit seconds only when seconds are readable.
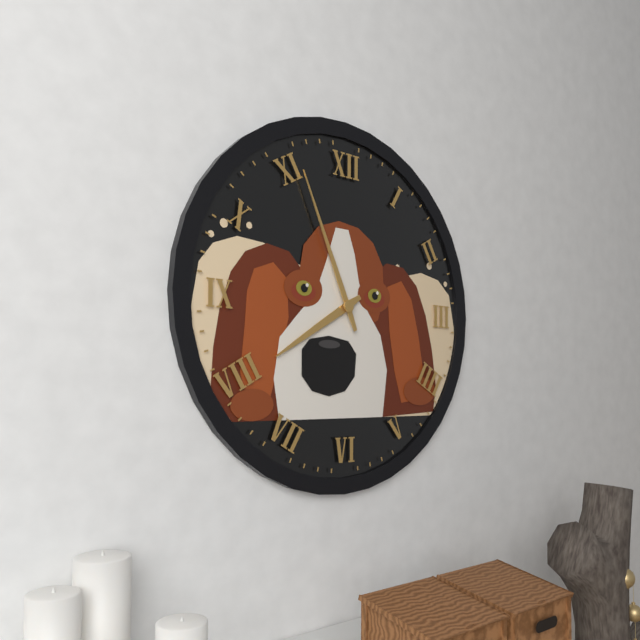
7.56
